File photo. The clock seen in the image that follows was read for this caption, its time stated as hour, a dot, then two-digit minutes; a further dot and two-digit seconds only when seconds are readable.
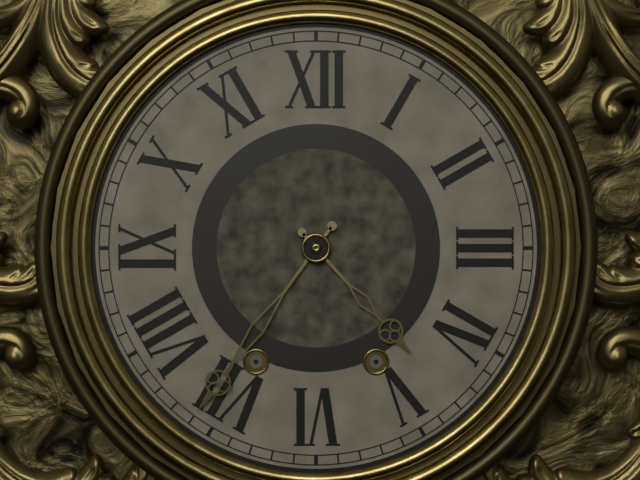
4.36
